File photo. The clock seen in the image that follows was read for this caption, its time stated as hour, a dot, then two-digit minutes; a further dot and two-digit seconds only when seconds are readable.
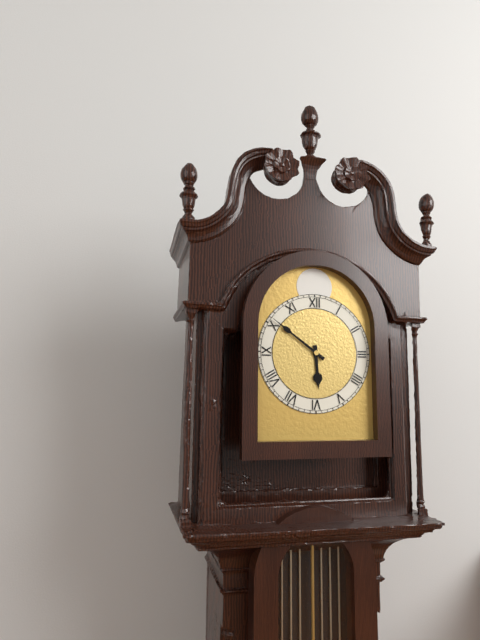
5.51
